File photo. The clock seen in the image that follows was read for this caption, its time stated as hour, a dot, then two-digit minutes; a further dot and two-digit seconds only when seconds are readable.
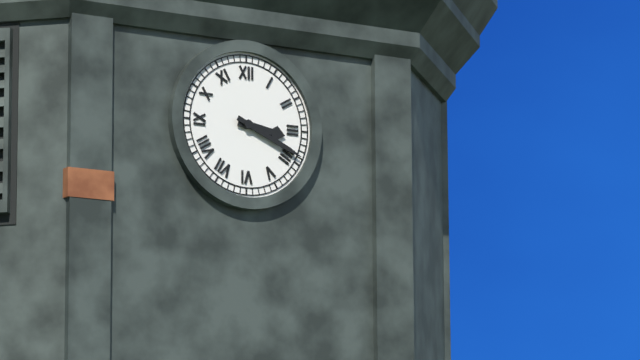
3.19
